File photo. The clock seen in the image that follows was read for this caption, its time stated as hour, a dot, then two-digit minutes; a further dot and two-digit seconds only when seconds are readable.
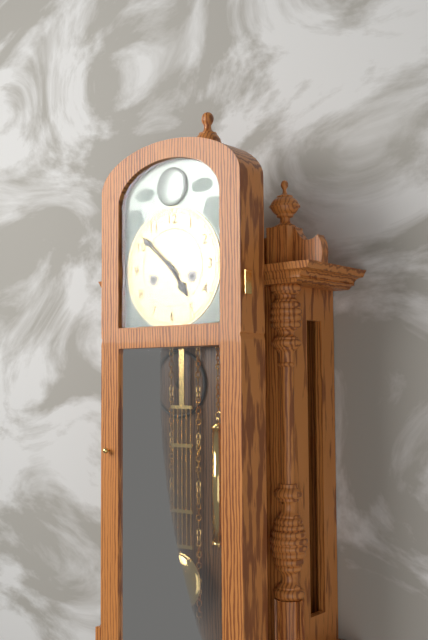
4.52
